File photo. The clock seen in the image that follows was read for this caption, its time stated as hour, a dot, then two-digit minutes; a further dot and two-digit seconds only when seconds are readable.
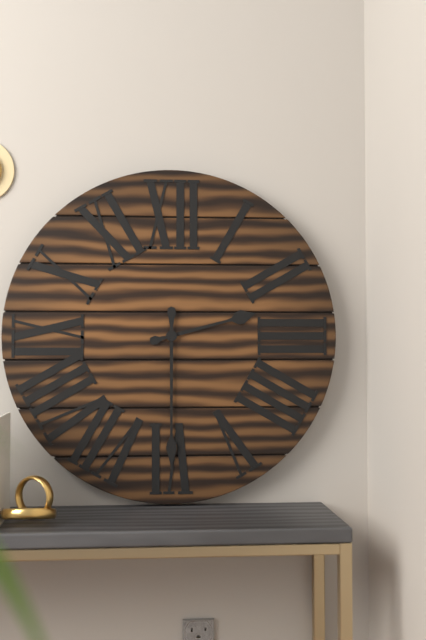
2.30
